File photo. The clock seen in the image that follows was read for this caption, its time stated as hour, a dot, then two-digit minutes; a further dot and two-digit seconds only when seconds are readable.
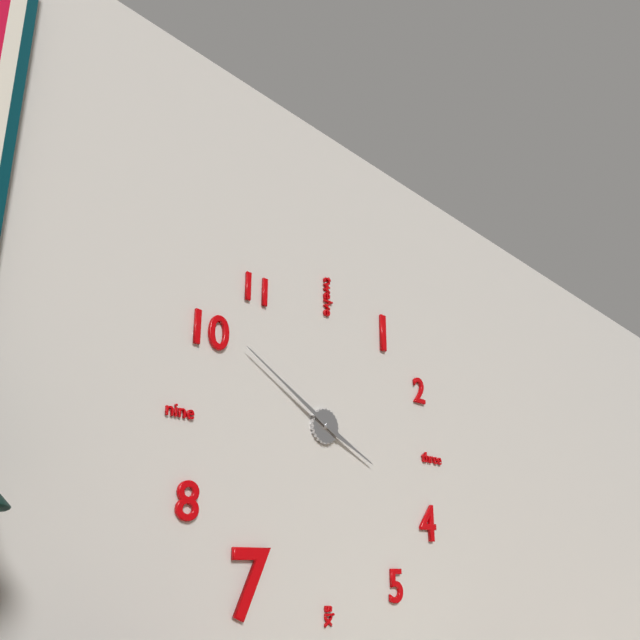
3.50
